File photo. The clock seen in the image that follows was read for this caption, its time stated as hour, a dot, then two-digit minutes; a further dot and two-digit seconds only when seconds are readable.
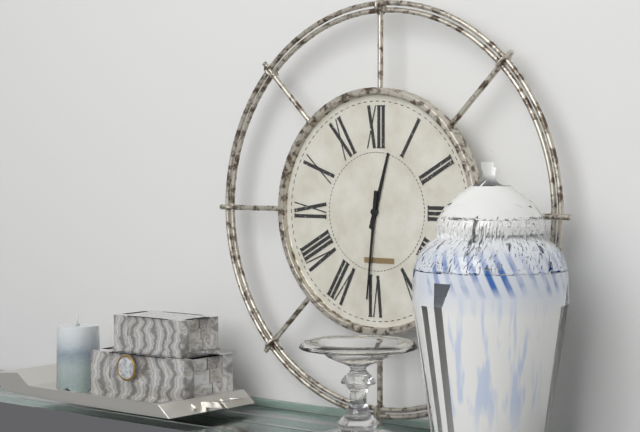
12.31
